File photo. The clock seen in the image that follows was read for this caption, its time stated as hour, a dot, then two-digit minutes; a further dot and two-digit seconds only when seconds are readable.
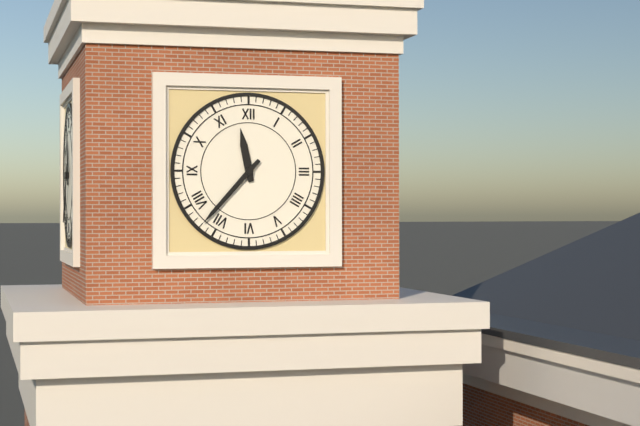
11.37
